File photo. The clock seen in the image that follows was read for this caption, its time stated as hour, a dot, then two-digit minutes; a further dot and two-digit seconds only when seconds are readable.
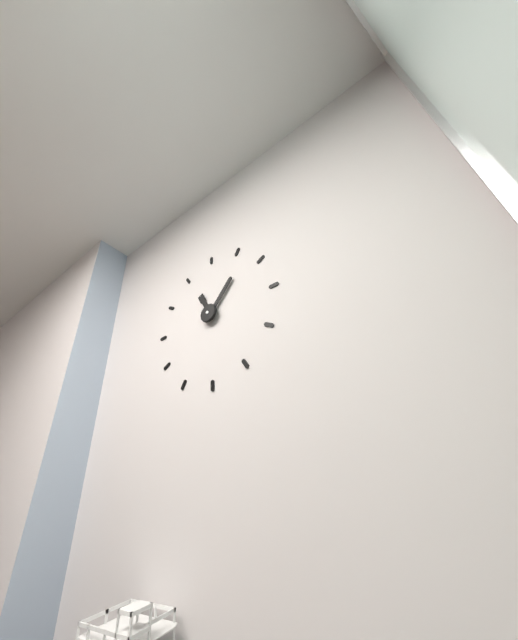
11.07
